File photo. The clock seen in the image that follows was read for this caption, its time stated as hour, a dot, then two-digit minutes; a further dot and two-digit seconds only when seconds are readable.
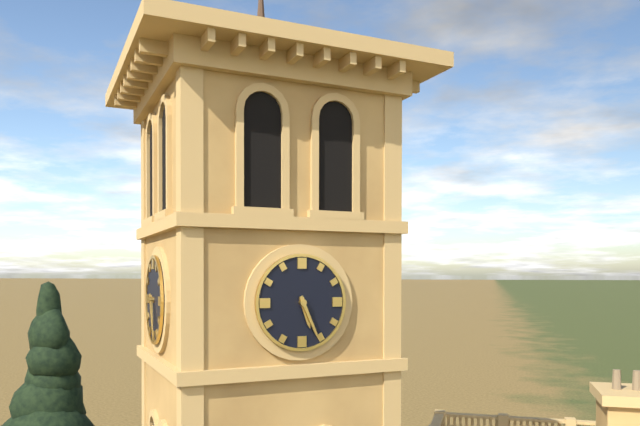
5.26
